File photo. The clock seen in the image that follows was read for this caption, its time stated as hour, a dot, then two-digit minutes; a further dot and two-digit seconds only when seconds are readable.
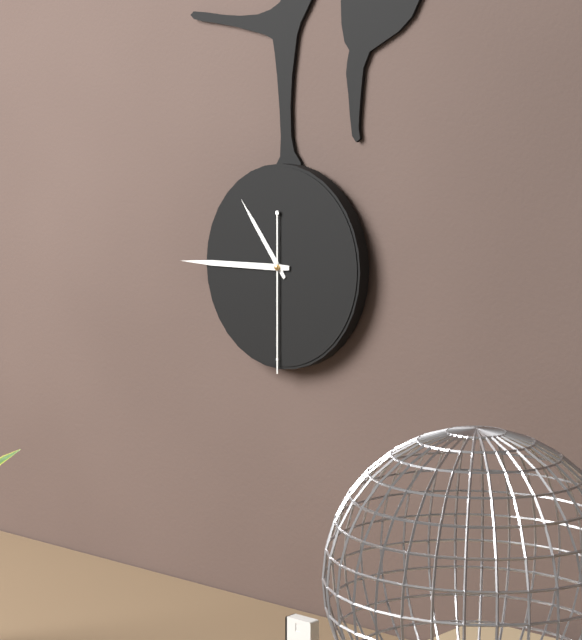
10.45.30
